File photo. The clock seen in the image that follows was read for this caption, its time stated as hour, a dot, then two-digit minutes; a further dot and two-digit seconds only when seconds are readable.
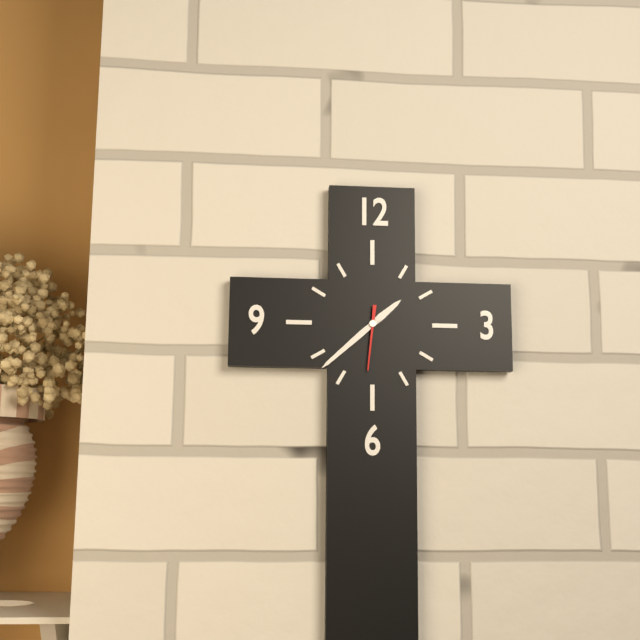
1.38.31
